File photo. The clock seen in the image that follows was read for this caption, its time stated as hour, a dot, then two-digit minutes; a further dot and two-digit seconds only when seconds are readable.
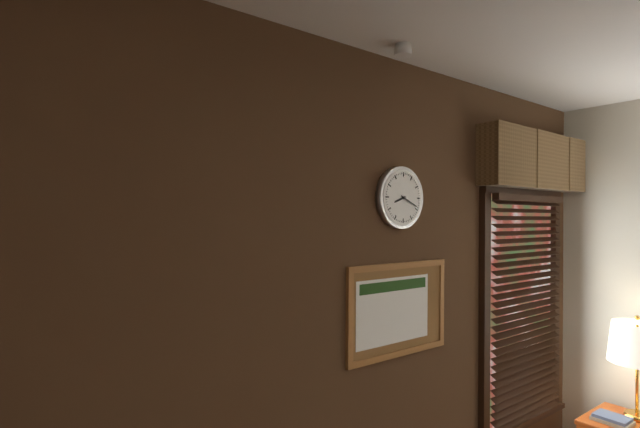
8.19
